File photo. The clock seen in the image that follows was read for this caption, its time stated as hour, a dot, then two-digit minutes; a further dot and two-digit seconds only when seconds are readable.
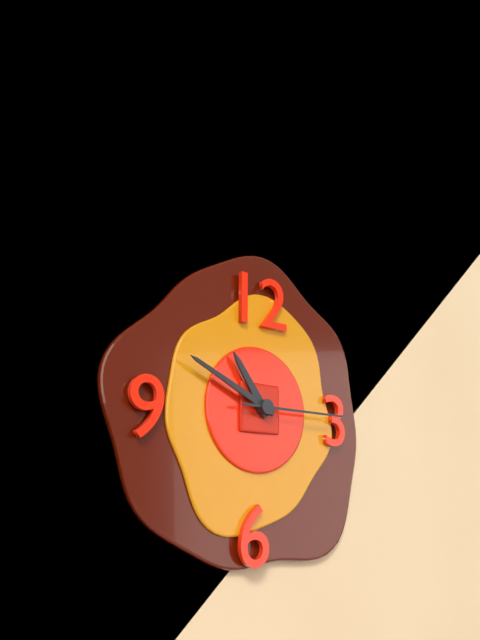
10.49.15
